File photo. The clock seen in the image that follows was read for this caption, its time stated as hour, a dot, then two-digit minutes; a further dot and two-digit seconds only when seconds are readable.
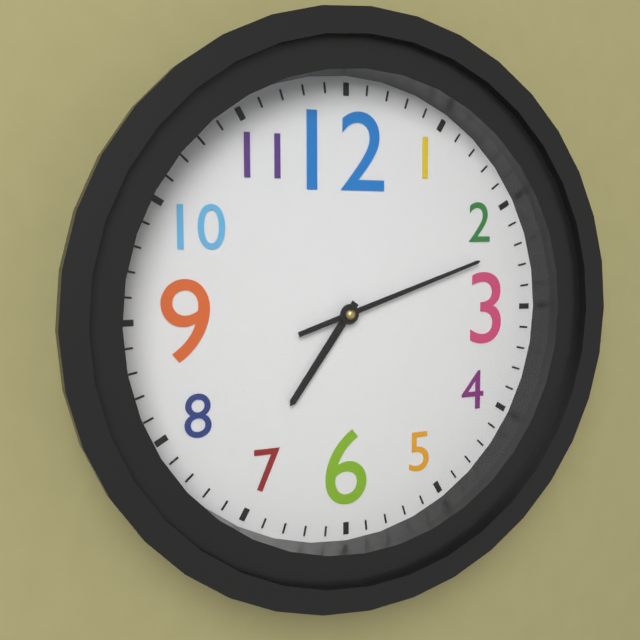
7.12
